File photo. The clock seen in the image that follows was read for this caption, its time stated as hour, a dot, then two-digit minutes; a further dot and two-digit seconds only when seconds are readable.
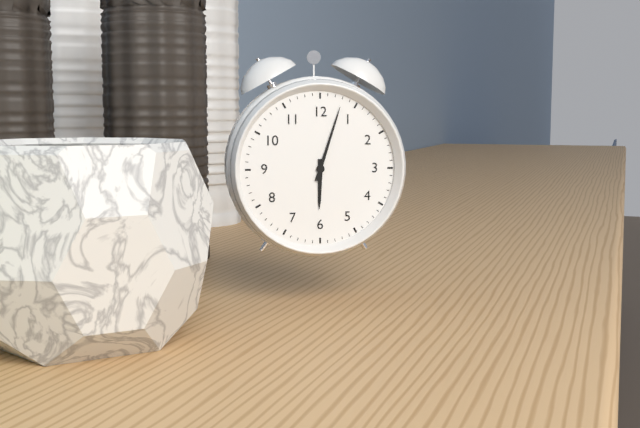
6.03
